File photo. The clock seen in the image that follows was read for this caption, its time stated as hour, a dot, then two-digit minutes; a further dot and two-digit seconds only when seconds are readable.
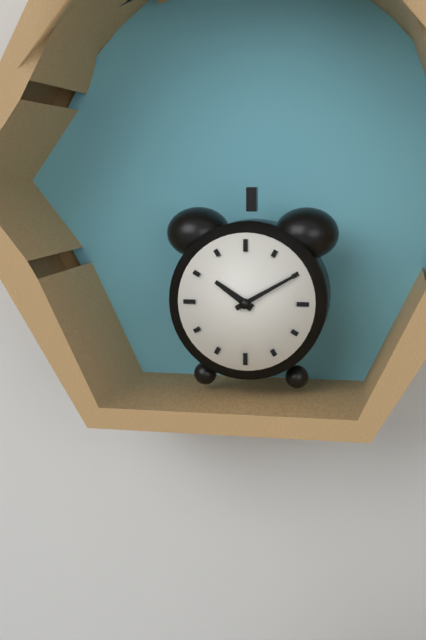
10.10
